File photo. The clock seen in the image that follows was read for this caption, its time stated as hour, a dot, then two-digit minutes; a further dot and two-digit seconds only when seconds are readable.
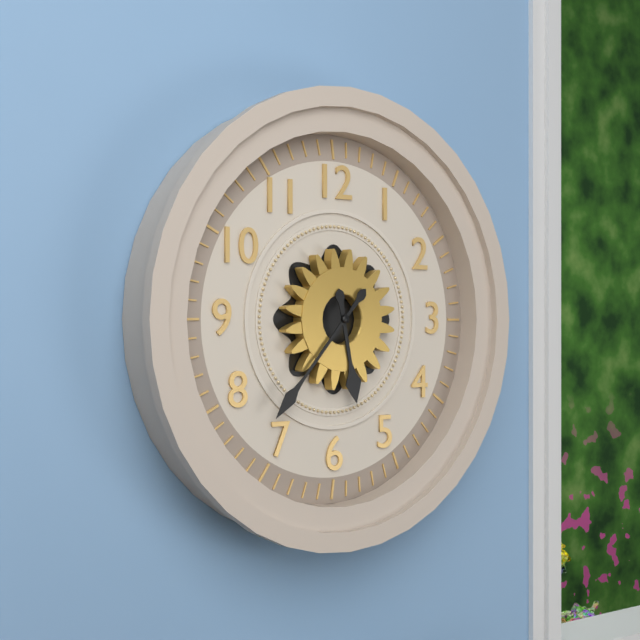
5.37
